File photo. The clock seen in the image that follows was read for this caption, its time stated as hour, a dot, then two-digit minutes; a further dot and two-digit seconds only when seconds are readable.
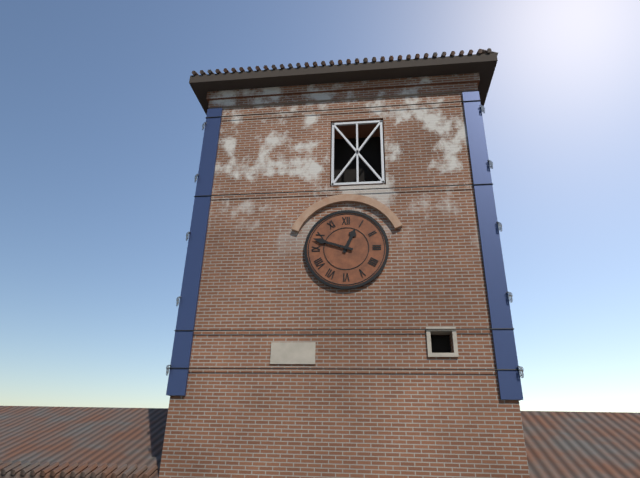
12.48
